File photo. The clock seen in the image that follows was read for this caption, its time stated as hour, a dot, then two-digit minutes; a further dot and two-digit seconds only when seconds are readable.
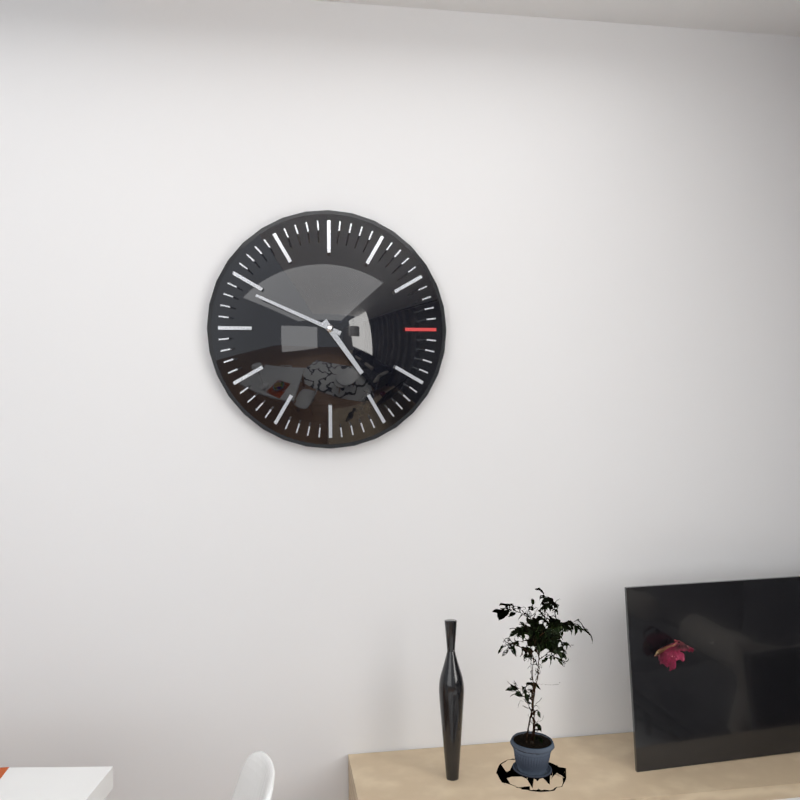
4.49
